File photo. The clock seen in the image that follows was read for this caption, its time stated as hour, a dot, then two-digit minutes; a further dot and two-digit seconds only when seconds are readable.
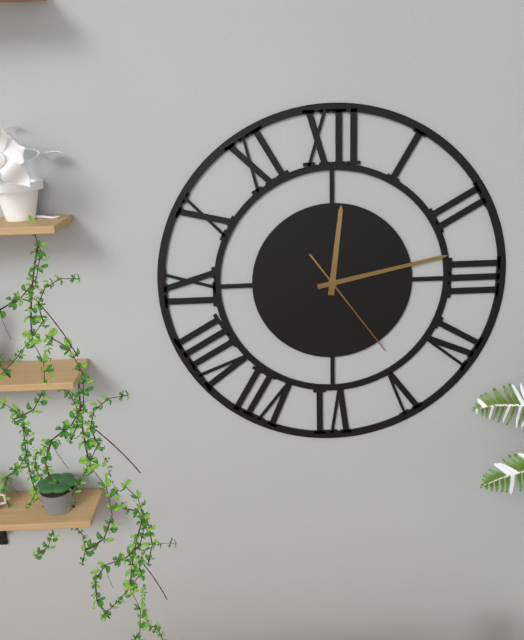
12.13.24
